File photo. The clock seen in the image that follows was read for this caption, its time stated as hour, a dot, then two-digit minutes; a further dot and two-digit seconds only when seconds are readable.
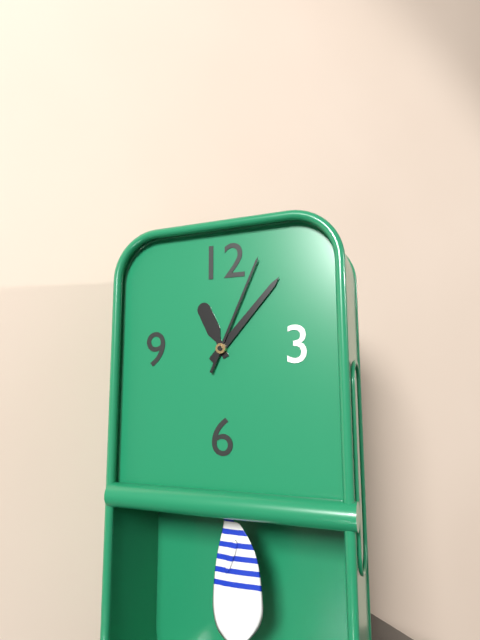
11.07.04
